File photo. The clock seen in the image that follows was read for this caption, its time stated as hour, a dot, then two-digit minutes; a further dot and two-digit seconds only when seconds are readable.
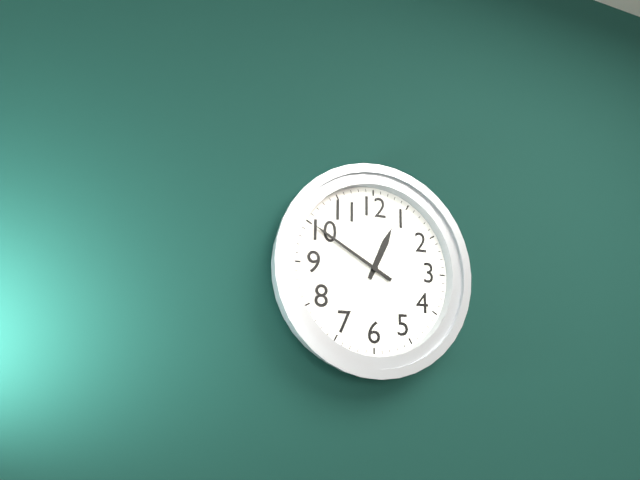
12.50
